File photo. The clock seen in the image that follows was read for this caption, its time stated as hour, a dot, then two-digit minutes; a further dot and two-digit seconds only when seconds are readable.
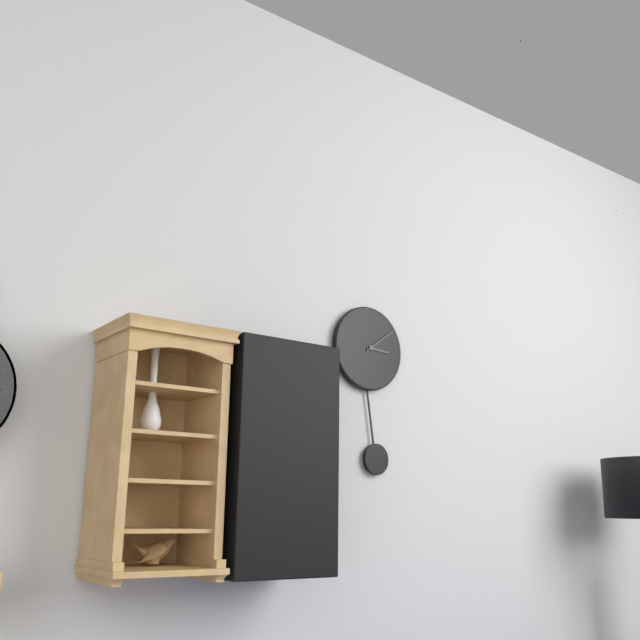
3.09
